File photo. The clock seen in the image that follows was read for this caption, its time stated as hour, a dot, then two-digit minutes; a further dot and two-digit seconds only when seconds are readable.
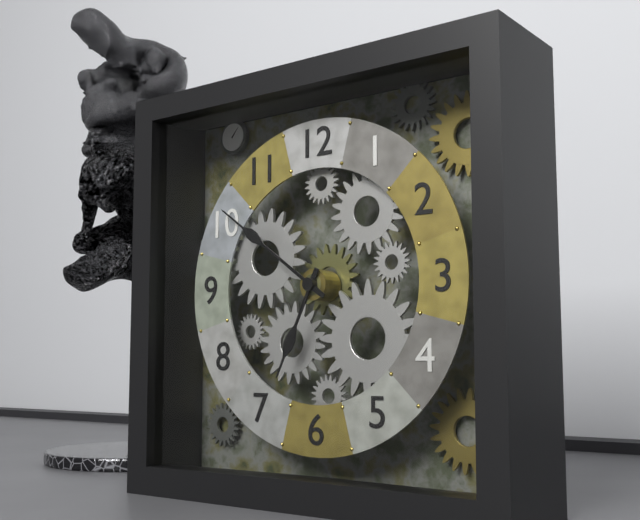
6.51
